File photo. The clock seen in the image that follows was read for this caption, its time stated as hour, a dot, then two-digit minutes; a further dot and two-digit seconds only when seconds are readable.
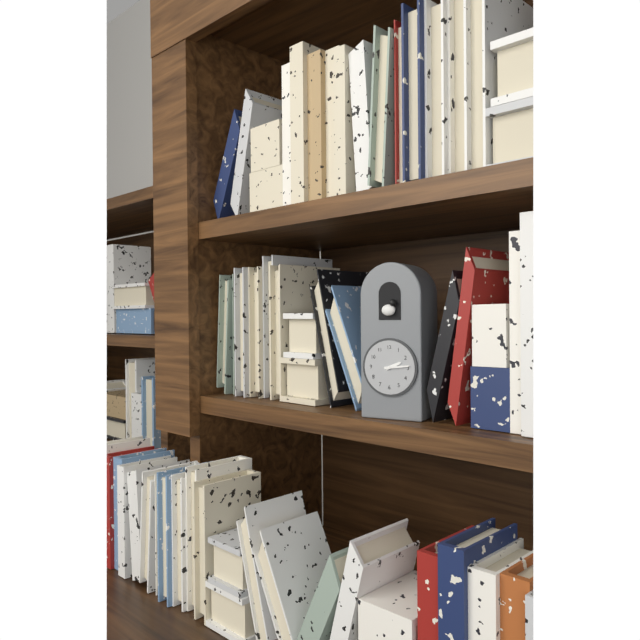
2.14
